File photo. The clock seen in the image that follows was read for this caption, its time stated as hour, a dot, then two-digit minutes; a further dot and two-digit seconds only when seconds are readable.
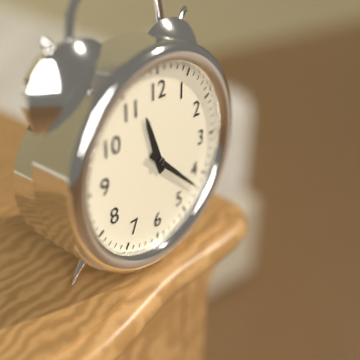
11.22
